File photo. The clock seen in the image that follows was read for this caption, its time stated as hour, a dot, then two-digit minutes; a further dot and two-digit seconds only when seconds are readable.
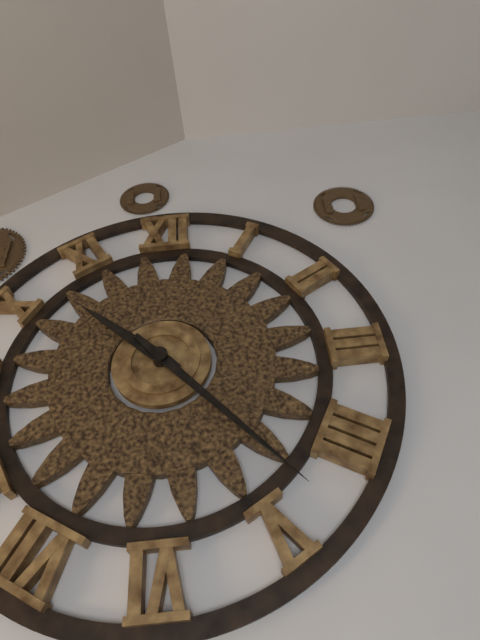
10.23
